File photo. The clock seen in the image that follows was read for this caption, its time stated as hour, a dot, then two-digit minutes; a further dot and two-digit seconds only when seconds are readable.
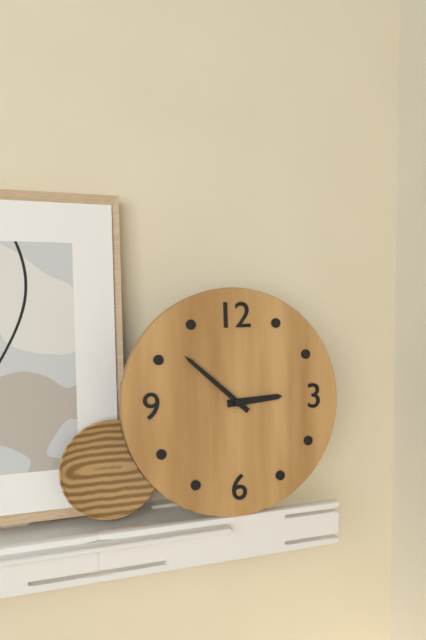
2.52
